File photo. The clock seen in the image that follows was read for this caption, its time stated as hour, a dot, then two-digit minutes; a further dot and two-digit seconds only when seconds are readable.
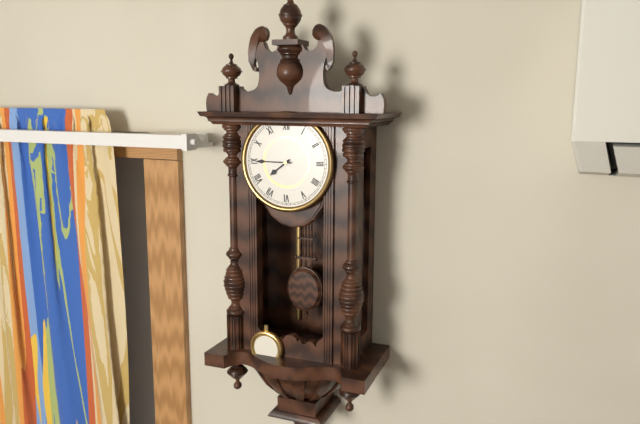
7.45
